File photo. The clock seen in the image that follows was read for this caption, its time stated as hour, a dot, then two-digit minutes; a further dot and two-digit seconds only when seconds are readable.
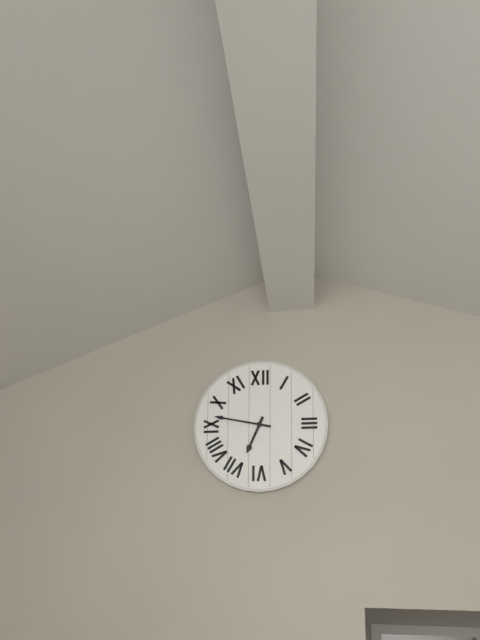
6.47
